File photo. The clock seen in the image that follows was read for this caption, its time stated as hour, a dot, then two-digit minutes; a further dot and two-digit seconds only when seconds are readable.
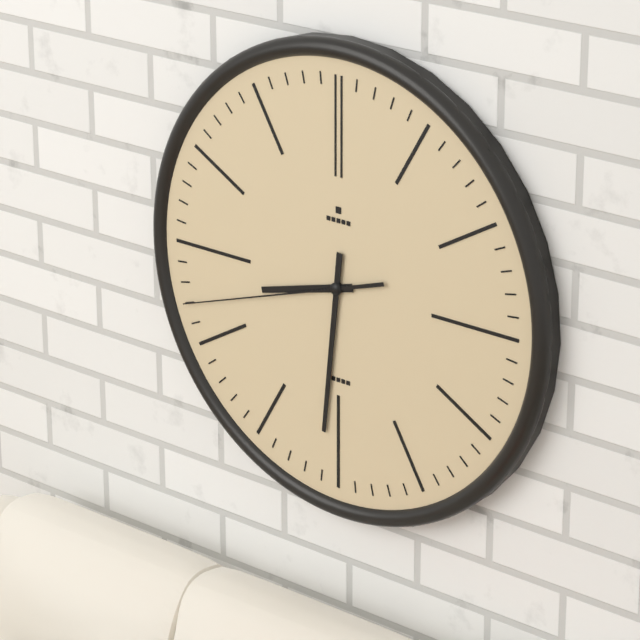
8.31.42
